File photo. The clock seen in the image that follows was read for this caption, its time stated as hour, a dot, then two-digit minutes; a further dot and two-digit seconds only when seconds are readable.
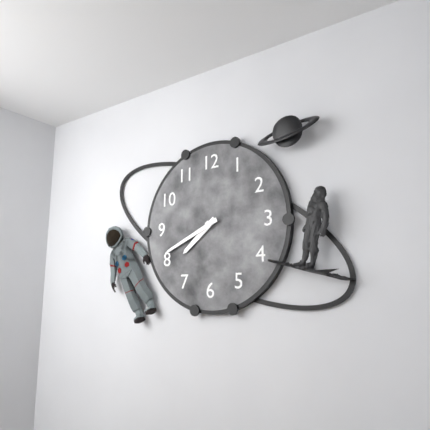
7.41
